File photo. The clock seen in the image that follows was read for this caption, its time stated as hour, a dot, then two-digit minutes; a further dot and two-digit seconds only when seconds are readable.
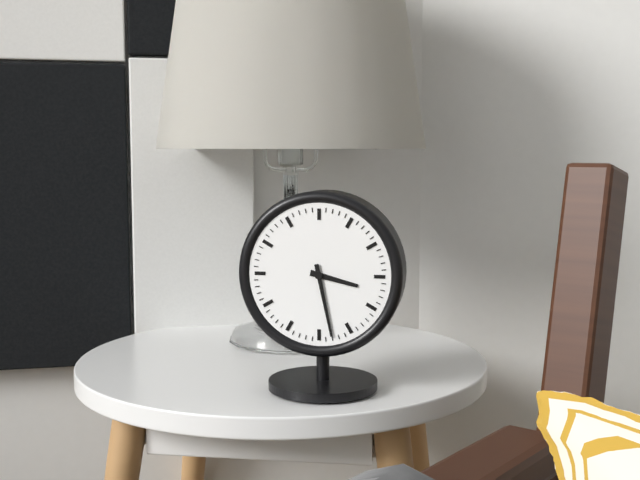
3.28
